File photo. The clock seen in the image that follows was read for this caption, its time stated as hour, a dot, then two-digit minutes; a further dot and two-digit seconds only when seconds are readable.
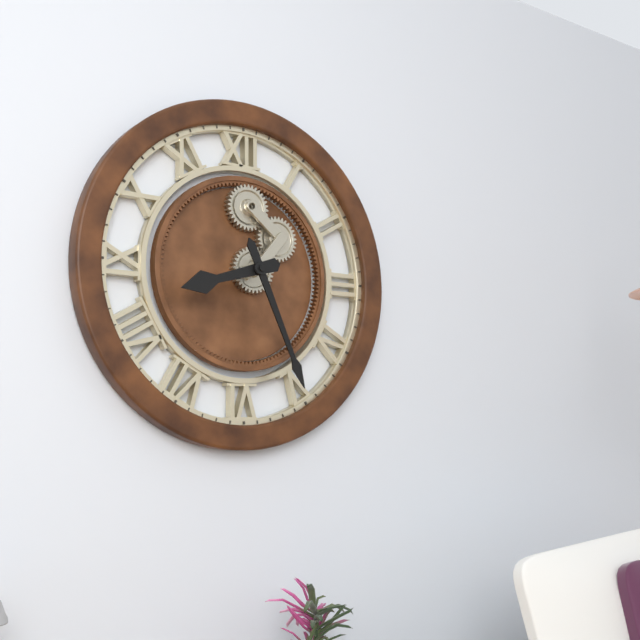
8.26
